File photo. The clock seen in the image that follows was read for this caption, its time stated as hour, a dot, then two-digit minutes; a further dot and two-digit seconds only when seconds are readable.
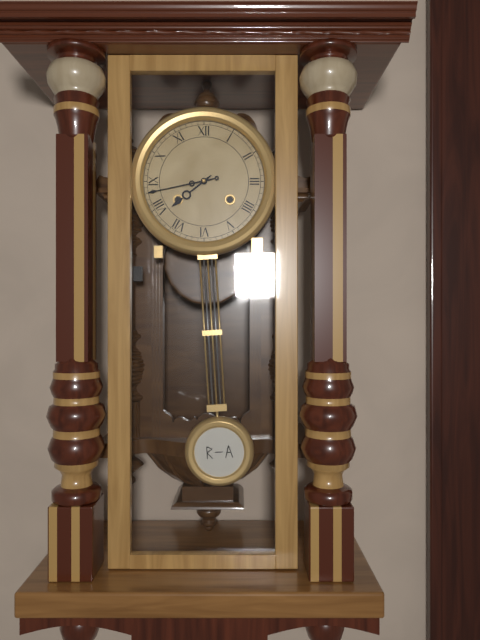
7.43
